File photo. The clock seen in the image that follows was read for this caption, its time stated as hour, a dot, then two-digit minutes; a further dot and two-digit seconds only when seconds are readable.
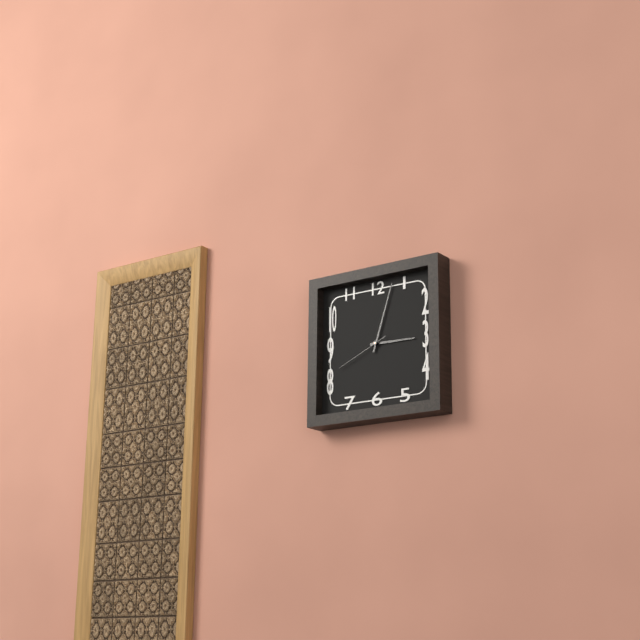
3.03.41
